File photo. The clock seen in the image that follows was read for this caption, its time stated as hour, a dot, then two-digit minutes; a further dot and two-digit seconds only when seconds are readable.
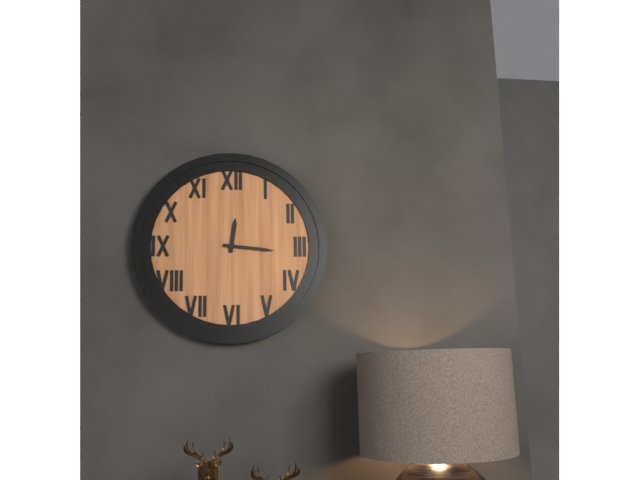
12.16
